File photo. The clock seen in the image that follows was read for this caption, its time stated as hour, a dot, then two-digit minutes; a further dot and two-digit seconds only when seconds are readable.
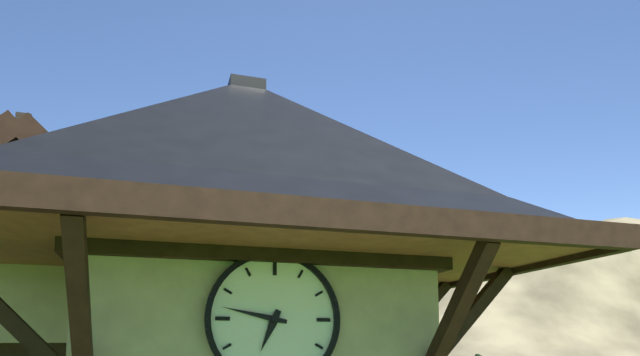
6.47
